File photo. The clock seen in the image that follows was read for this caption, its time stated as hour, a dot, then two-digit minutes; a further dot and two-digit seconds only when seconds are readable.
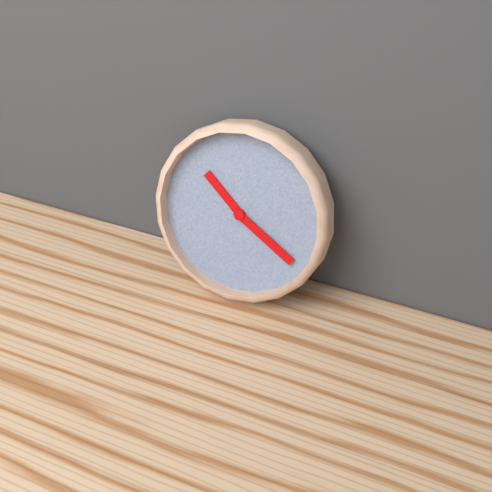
10.20
